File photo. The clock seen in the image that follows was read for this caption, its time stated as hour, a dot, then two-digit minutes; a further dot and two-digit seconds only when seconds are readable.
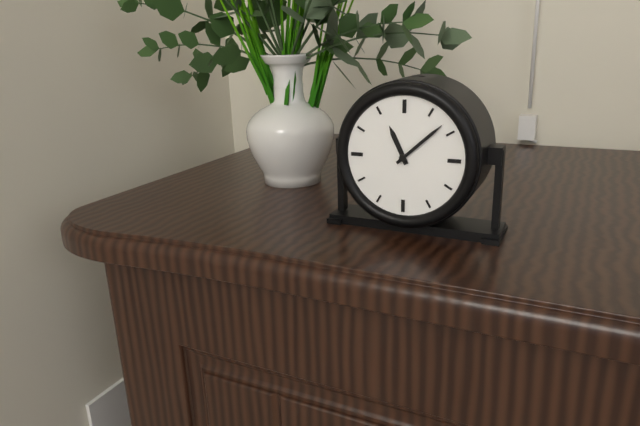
11.08
